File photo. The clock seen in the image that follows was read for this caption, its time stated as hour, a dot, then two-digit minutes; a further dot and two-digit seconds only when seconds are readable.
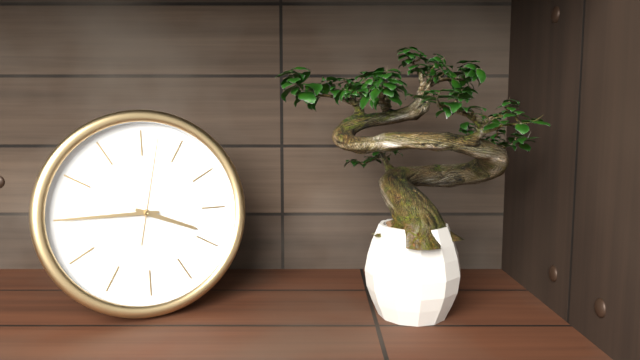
3.45.02
